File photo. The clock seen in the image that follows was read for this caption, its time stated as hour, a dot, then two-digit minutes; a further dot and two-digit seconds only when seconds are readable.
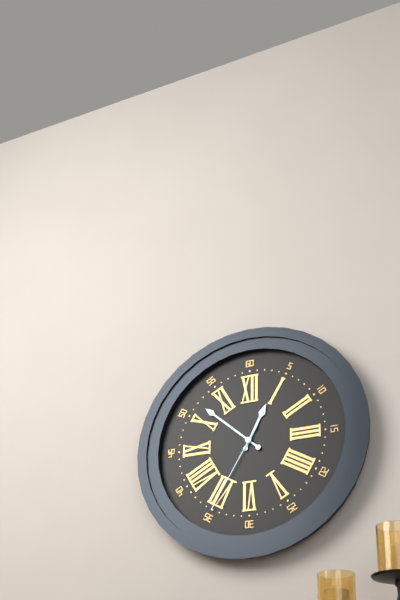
12.52.35
